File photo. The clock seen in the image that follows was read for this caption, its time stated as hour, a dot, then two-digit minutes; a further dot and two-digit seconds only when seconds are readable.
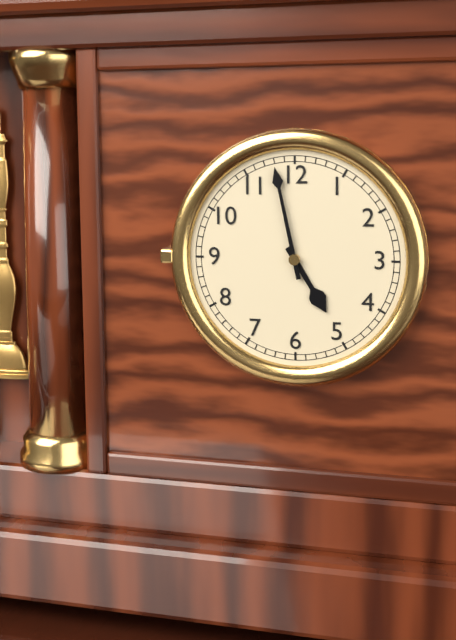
4.58
